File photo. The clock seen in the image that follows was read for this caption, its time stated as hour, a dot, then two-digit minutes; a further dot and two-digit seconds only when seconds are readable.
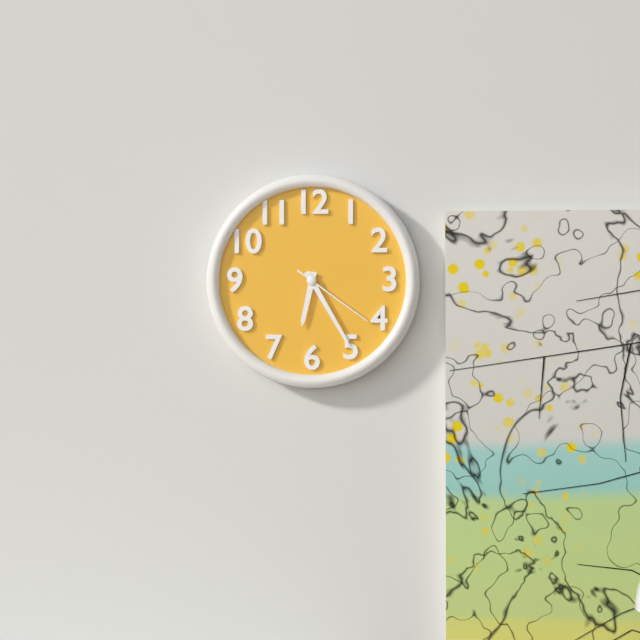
6.25.21
